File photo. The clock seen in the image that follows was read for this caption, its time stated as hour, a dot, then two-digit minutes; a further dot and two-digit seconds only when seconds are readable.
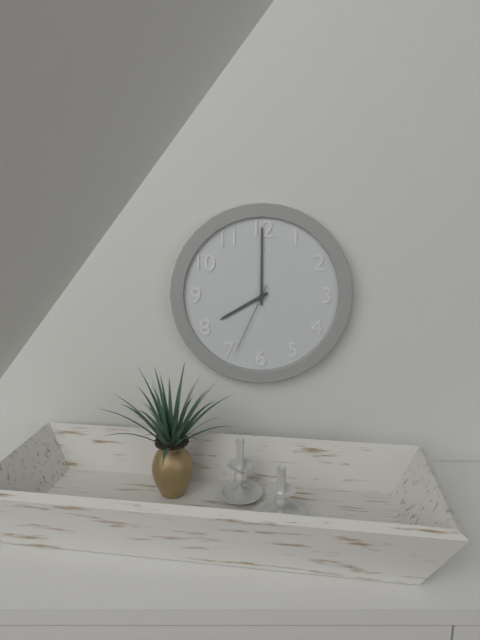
8.00.34
